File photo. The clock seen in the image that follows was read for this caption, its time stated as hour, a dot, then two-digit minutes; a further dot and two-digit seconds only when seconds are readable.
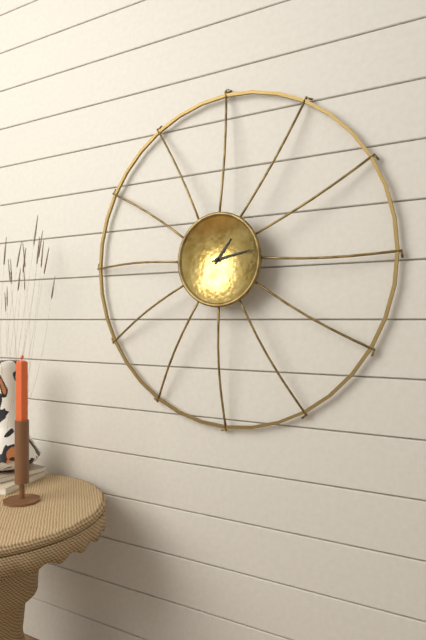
1.13
